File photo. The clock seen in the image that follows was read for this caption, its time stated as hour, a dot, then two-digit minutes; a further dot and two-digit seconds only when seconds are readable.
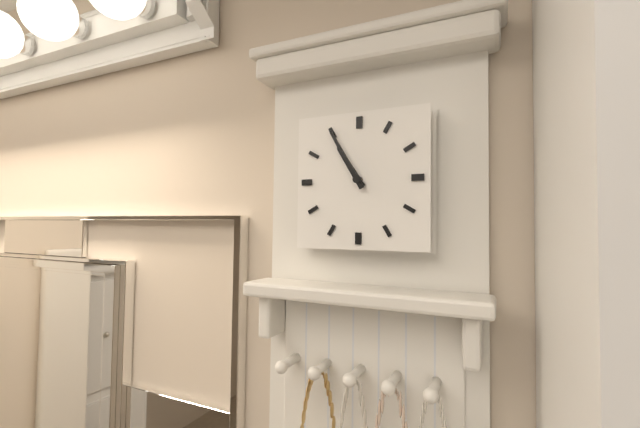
10.55
